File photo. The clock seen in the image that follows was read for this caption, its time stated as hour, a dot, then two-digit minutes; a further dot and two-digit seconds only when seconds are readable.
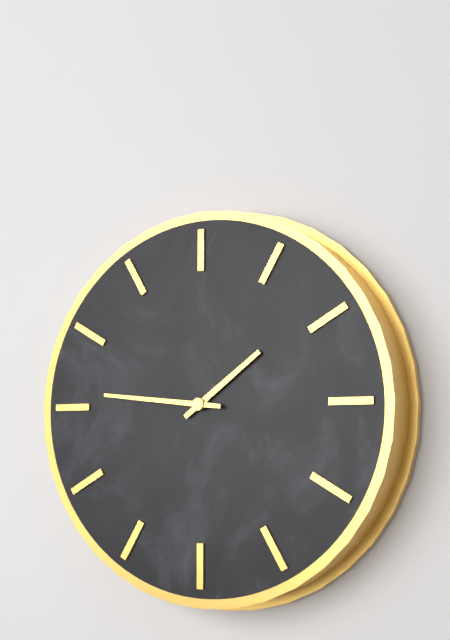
1.46
